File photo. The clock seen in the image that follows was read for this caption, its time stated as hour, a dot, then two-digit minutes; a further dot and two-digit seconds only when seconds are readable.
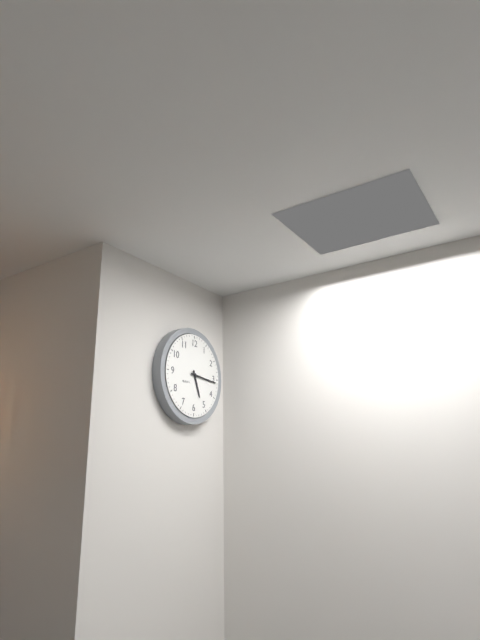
5.16
